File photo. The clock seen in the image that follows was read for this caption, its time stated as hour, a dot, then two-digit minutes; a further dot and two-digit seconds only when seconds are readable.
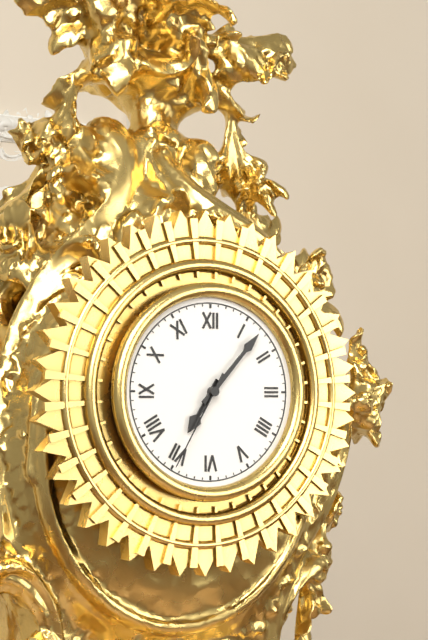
7.07.35
